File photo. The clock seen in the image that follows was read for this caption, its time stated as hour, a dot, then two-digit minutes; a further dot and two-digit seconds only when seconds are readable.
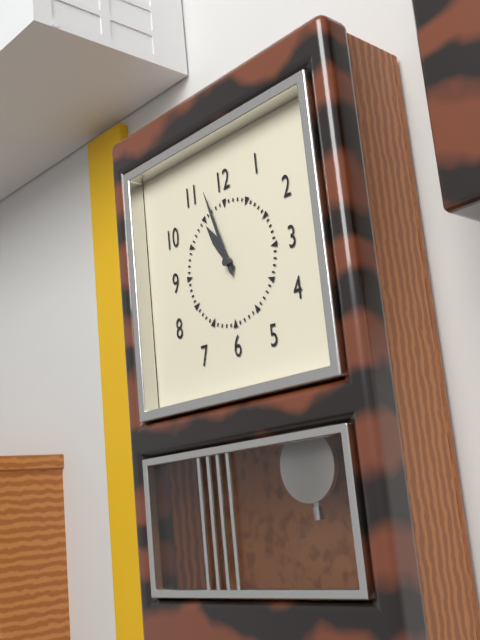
10.57
